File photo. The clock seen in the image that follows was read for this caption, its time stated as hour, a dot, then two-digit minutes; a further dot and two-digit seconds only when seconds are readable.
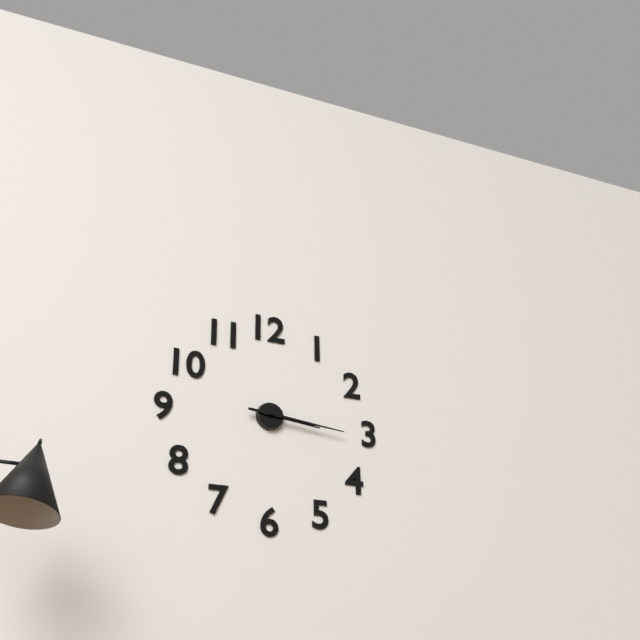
3.16
